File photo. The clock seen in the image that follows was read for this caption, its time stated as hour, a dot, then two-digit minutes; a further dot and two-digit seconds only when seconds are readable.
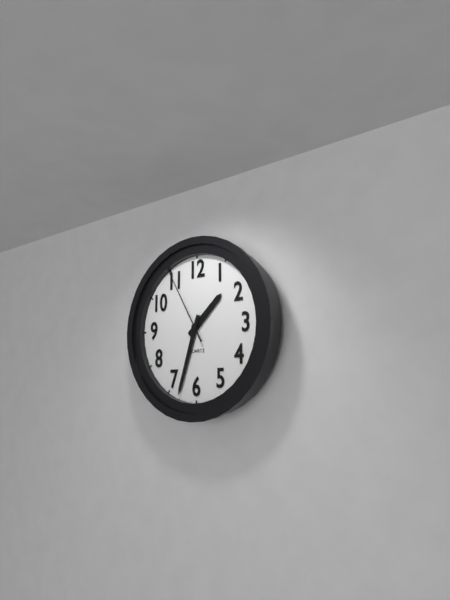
1.33.55
